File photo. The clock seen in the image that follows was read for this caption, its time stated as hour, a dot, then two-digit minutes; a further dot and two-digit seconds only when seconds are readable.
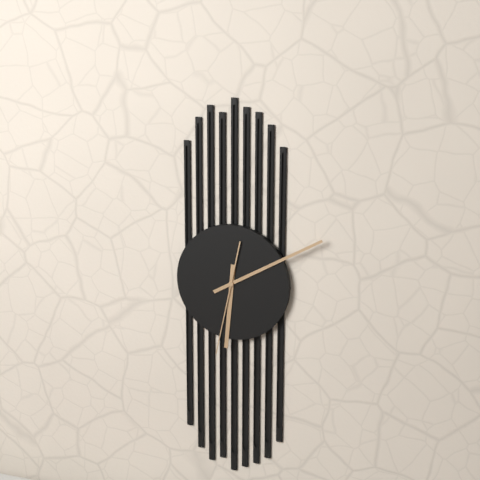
6.10.32
